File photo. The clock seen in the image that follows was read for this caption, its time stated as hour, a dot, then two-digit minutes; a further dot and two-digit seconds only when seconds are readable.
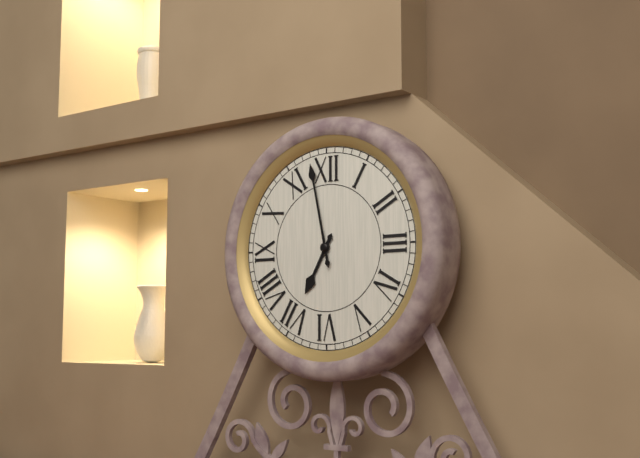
6.58
